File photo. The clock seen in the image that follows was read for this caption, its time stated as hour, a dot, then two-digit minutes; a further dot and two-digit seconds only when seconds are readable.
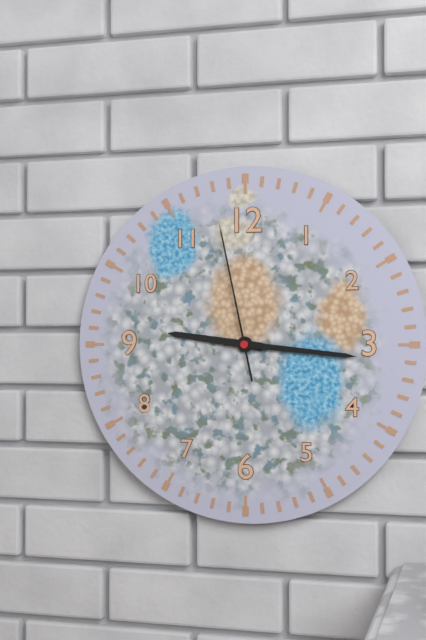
9.16.58
